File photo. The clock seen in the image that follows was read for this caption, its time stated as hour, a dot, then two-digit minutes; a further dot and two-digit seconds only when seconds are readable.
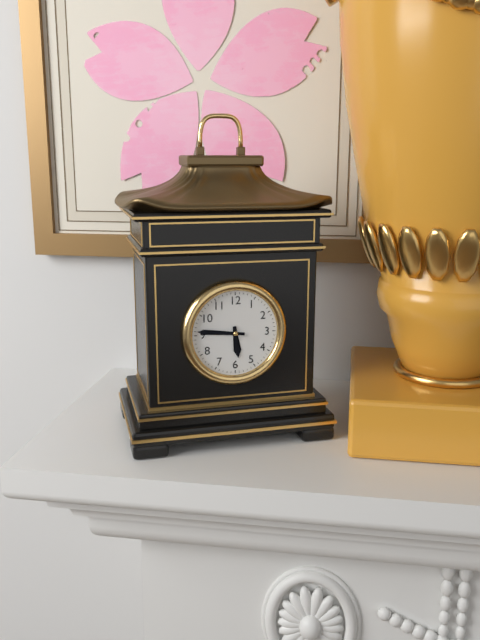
5.46
